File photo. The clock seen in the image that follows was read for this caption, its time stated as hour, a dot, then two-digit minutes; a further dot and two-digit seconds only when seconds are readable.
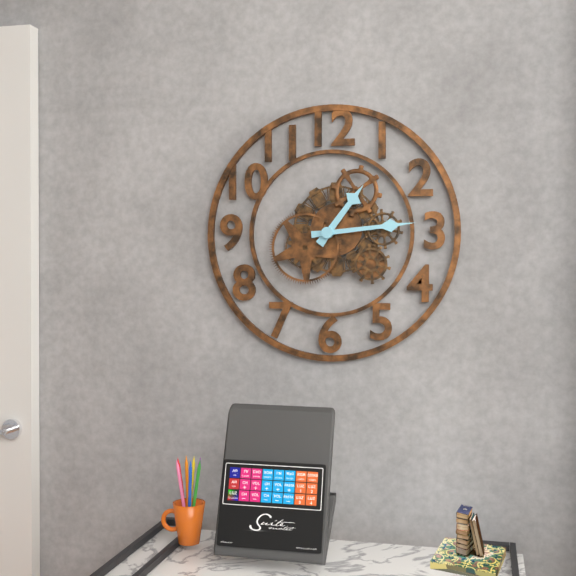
1.14
